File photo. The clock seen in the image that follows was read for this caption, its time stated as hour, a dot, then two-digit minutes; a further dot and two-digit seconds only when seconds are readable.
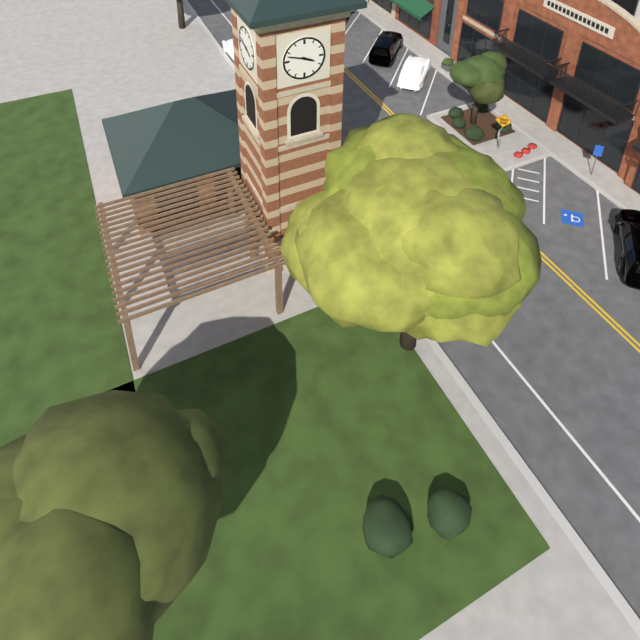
3.48
